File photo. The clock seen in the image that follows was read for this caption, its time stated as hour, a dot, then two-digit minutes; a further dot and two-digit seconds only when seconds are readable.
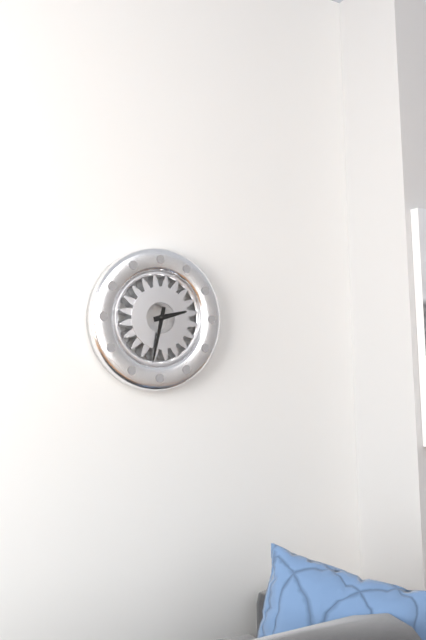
2.32
